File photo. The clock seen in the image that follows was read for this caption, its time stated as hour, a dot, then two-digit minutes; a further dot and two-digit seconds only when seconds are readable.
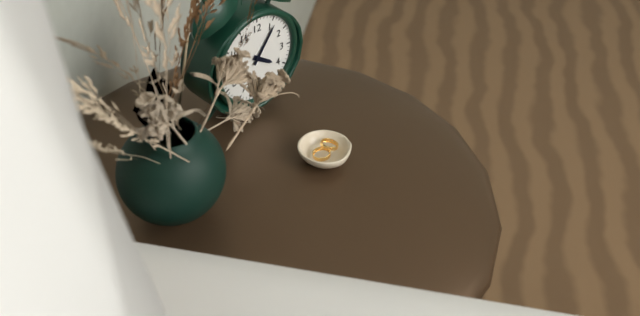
4.06
